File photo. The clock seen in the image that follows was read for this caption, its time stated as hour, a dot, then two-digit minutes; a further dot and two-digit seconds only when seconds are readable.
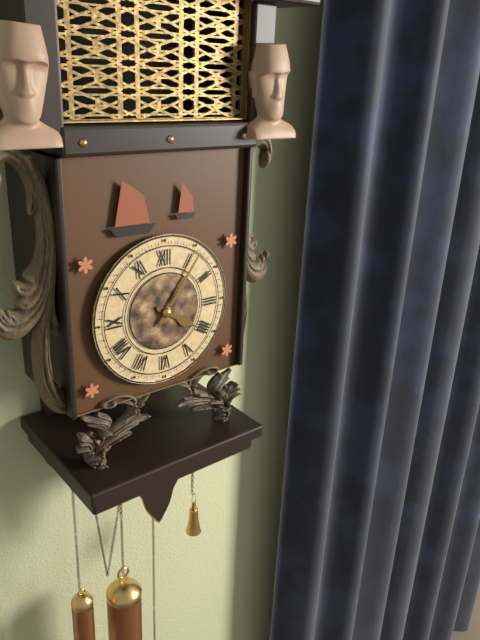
4.06
